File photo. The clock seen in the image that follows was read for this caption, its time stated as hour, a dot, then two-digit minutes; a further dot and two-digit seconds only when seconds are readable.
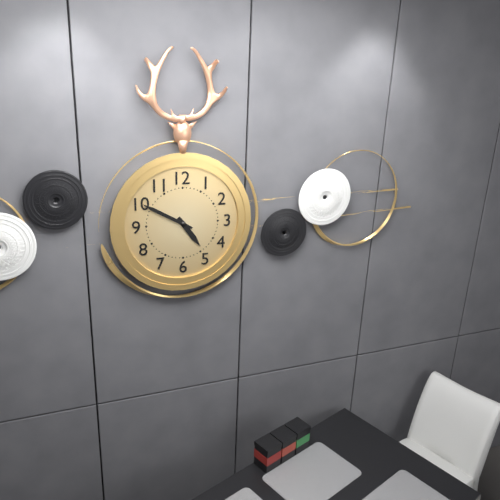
4.50
